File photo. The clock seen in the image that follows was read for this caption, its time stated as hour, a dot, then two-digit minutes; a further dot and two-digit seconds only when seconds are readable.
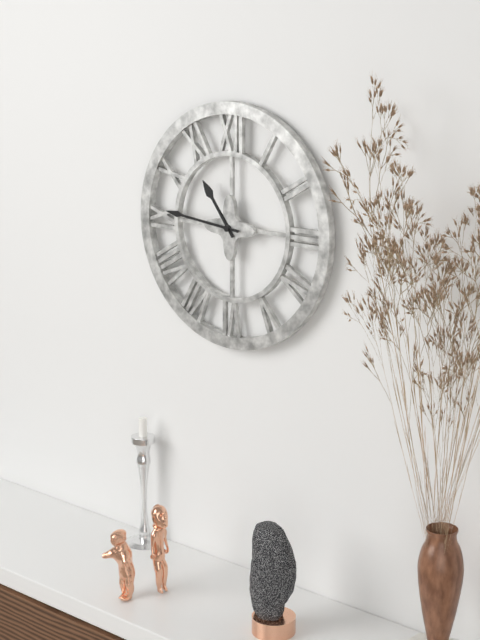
10.46
